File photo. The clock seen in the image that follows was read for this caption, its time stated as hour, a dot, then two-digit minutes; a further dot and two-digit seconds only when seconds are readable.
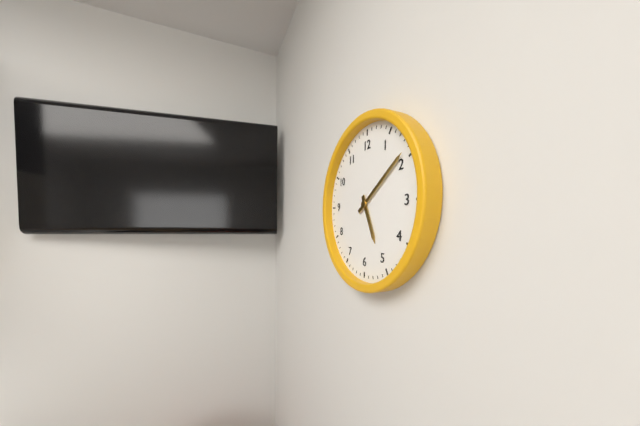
5.09
